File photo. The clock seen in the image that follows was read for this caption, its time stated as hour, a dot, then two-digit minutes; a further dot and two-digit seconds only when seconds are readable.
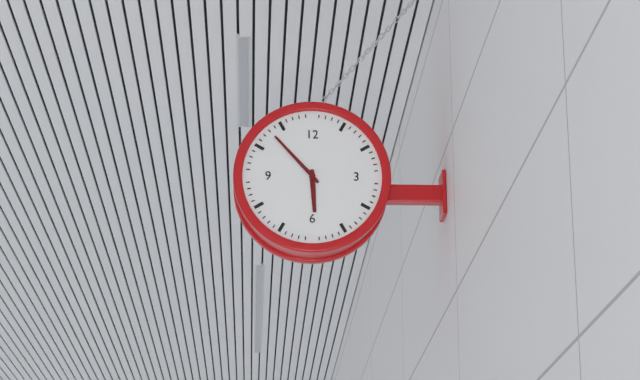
5.53
